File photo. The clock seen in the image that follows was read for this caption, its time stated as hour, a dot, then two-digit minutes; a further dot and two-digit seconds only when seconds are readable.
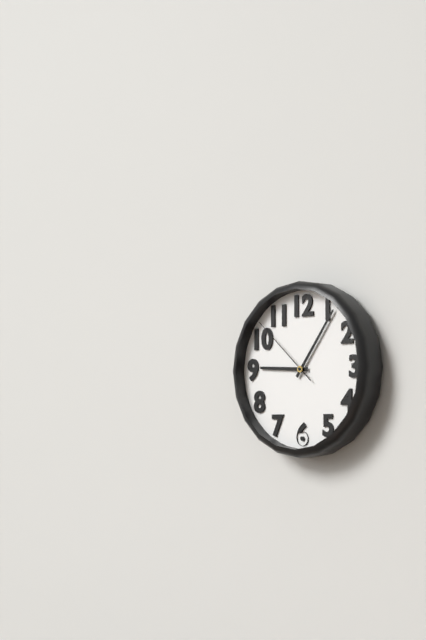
9.06.52
